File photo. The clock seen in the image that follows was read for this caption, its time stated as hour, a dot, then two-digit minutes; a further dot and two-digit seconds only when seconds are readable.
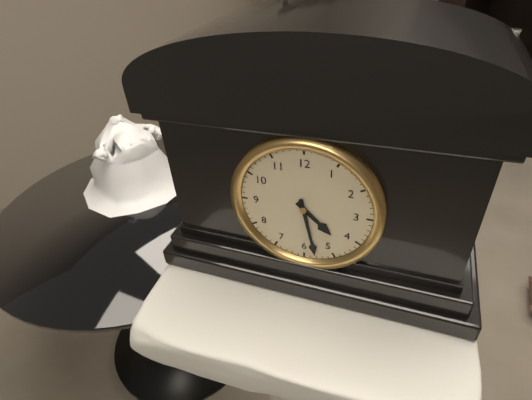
4.28
